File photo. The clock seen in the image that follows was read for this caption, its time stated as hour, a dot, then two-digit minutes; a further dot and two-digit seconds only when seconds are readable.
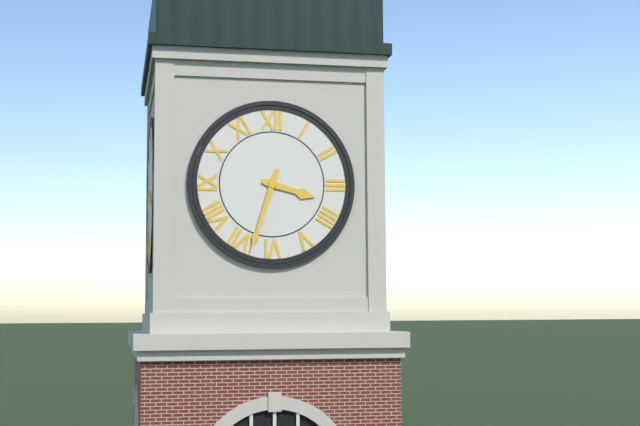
3.33
